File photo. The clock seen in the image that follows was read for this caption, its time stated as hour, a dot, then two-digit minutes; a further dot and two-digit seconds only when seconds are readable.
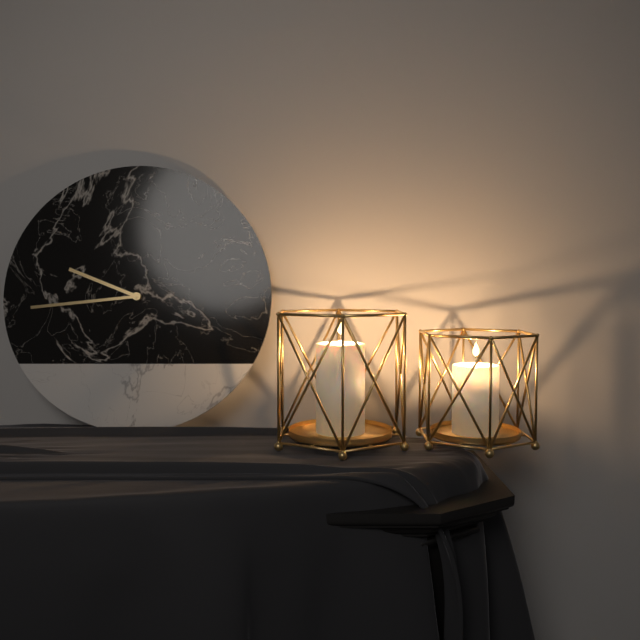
9.44
